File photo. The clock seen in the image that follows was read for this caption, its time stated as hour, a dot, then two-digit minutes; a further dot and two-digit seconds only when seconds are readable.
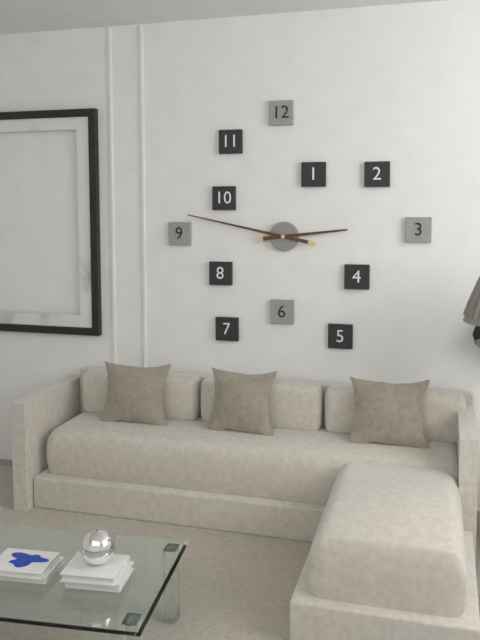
2.47
